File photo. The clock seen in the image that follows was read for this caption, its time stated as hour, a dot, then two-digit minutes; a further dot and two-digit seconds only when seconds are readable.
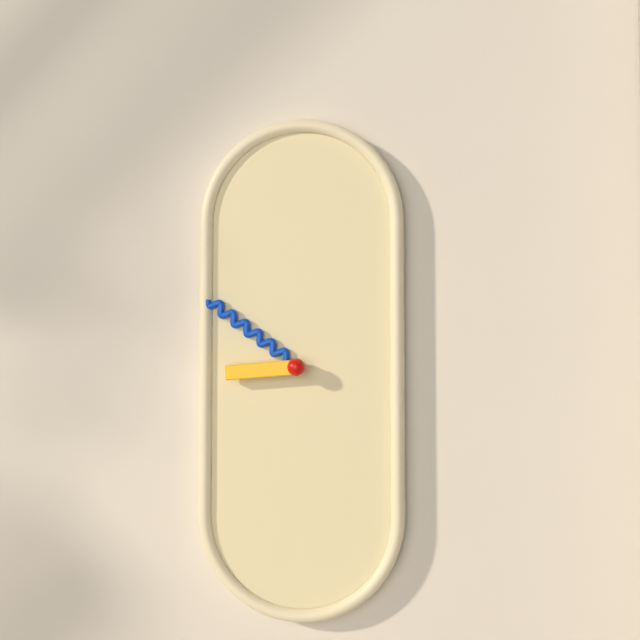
8.51
